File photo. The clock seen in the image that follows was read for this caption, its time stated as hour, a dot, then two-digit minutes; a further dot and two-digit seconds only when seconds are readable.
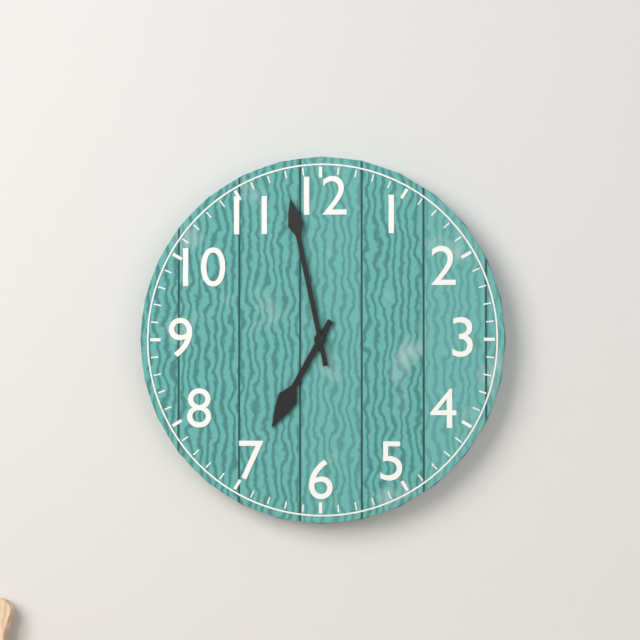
6.58
